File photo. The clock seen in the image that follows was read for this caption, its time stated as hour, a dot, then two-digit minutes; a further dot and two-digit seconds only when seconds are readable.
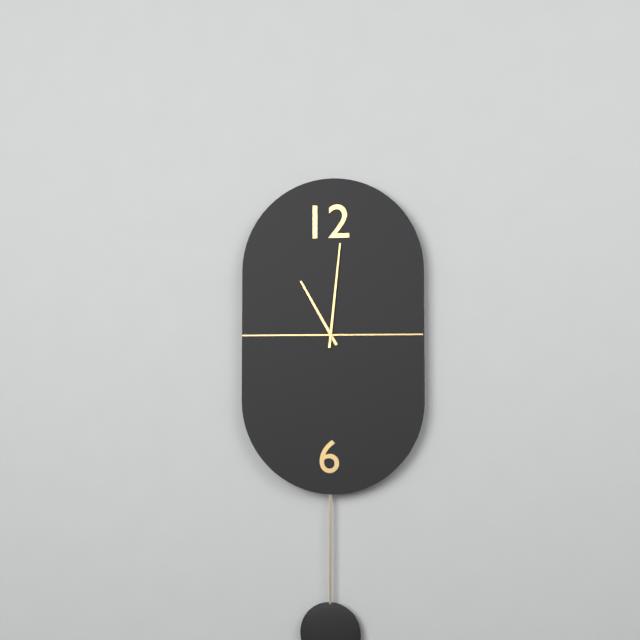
11.01
